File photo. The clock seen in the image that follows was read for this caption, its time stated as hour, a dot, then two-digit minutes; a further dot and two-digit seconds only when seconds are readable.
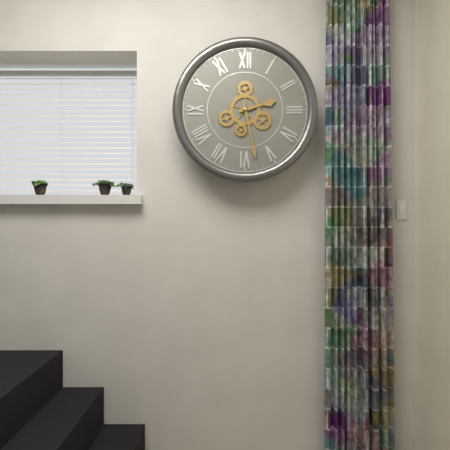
2.28
